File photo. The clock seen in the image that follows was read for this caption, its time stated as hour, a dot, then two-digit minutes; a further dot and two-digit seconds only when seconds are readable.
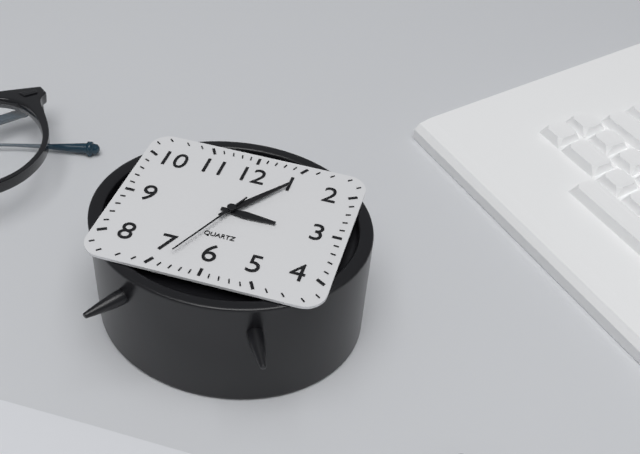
3.06.34
